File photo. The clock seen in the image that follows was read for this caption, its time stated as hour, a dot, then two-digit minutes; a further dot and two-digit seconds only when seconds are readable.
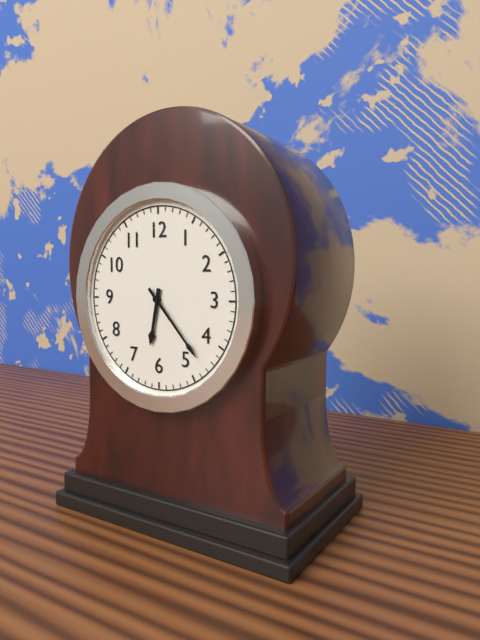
6.23
